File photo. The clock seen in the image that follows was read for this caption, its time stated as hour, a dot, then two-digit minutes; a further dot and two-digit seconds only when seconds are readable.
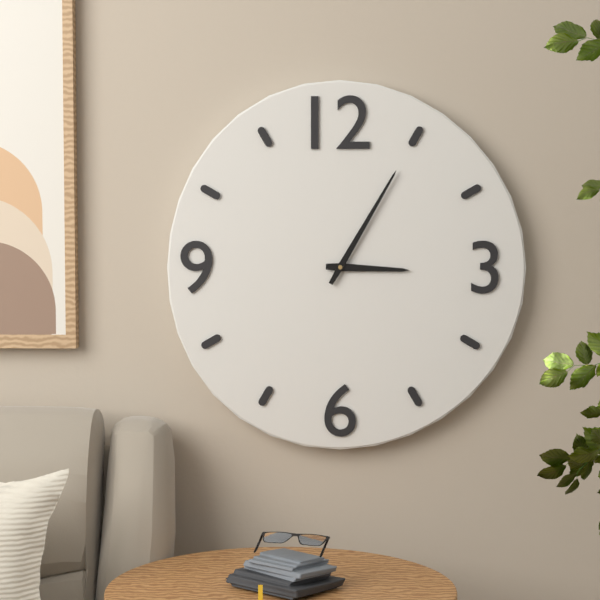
3.05
